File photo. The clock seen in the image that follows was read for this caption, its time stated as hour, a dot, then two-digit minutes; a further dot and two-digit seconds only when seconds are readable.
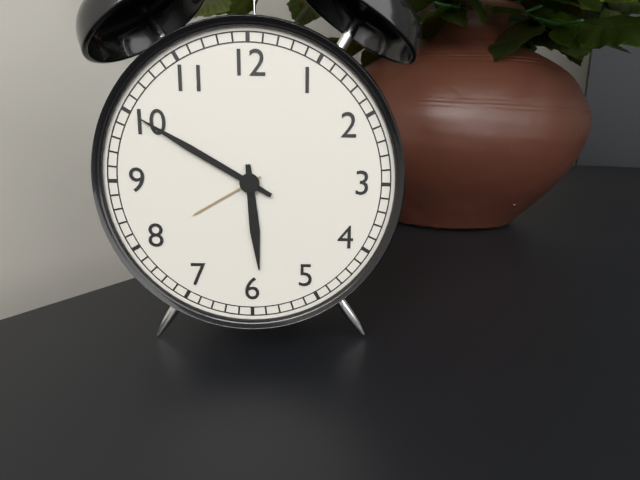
5.50
